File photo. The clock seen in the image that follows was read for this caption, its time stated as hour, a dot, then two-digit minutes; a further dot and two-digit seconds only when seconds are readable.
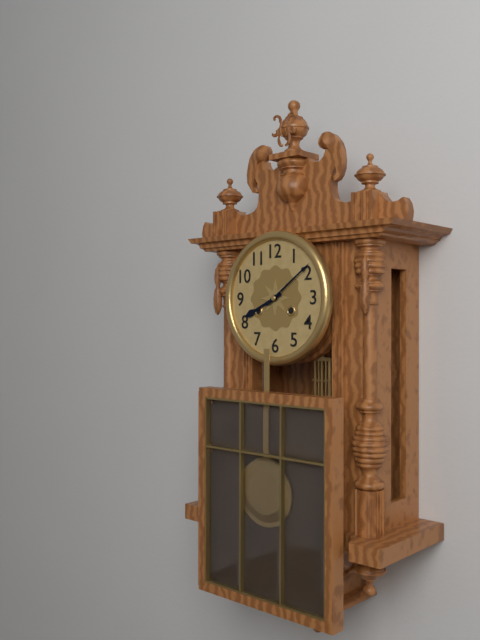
8.09
